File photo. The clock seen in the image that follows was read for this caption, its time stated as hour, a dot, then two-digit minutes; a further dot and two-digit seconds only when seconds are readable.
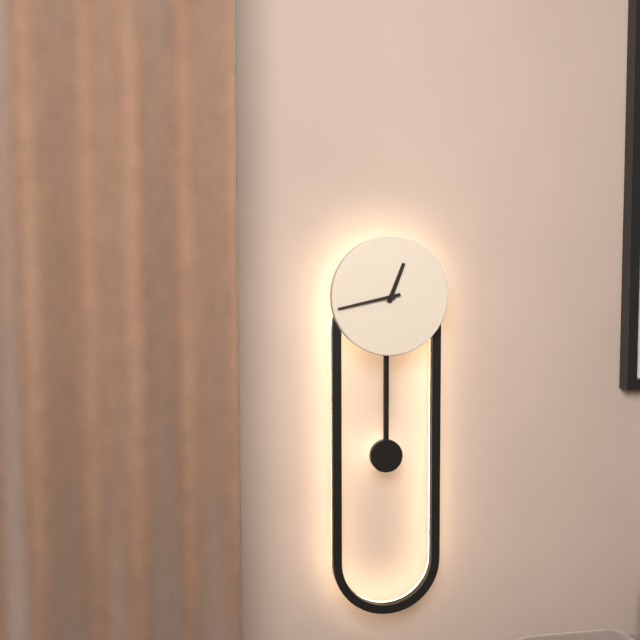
12.43
